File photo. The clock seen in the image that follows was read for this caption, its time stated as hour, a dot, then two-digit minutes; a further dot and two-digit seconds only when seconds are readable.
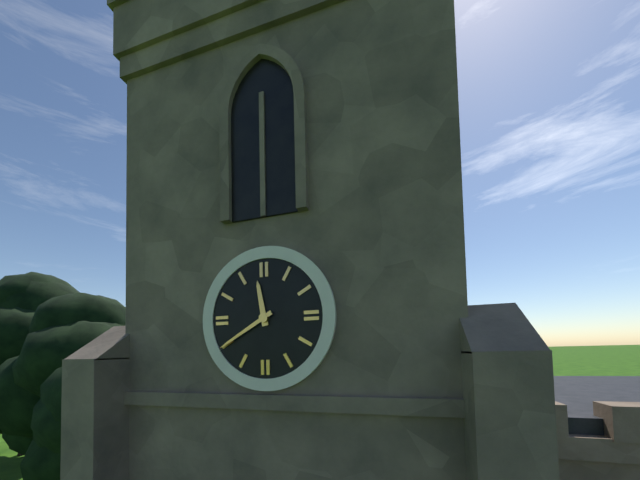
11.40
